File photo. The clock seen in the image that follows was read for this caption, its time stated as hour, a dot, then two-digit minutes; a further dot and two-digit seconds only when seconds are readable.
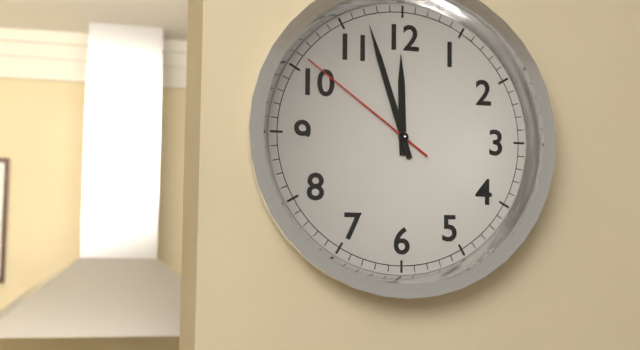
11.57.51
